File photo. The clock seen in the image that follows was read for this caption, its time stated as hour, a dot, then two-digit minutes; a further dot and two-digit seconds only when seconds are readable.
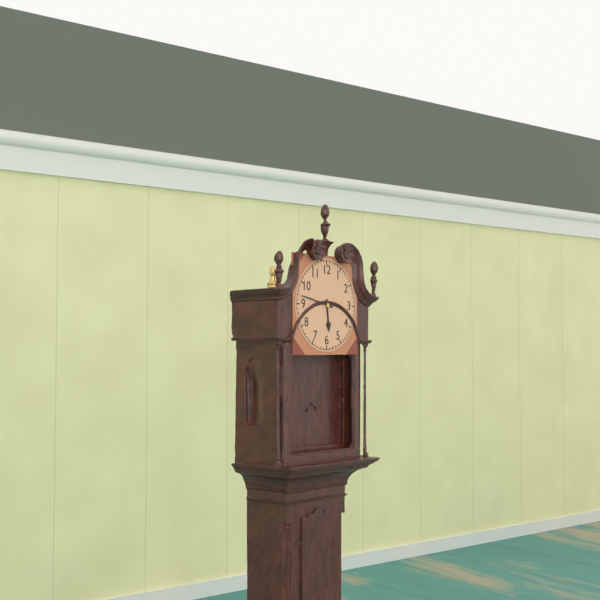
5.47
